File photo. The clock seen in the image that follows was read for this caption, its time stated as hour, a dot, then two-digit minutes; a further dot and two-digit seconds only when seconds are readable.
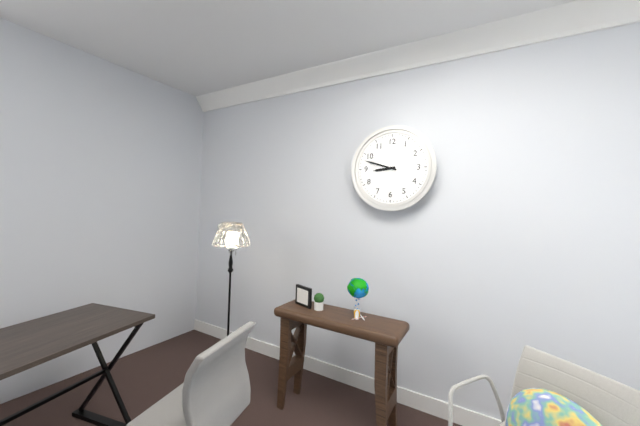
8.48
